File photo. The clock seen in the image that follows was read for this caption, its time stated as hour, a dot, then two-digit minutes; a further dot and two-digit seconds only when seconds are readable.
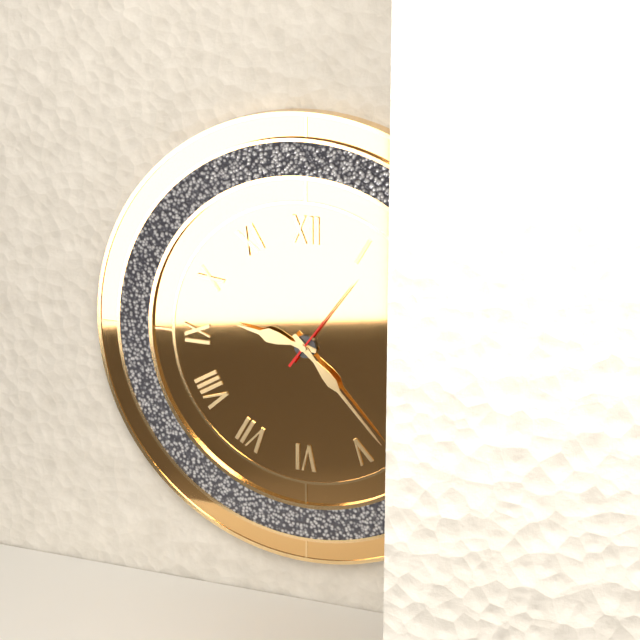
9.23.06
